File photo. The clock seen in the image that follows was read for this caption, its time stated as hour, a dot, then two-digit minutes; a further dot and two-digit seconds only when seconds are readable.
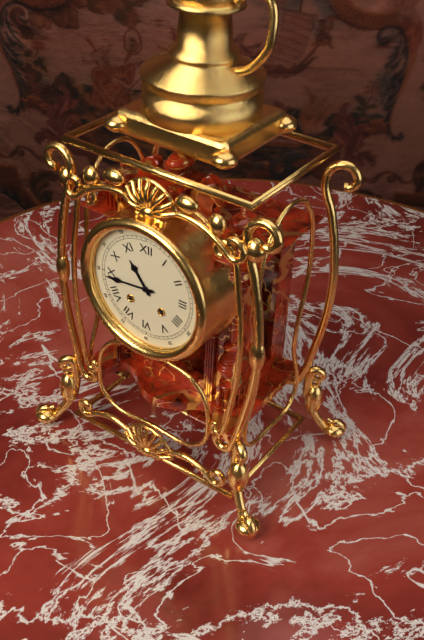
10.44
